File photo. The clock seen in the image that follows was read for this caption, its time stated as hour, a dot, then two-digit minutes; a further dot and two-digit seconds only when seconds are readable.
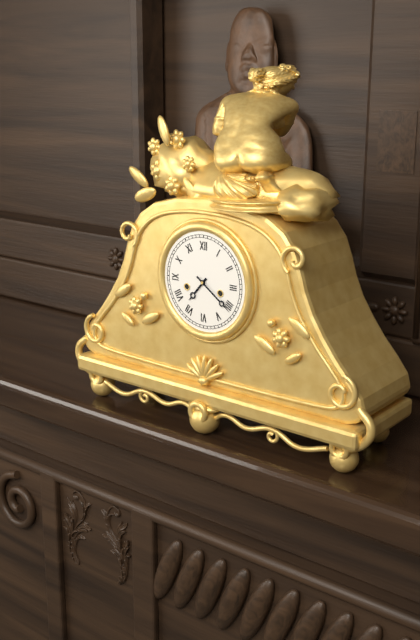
7.21
